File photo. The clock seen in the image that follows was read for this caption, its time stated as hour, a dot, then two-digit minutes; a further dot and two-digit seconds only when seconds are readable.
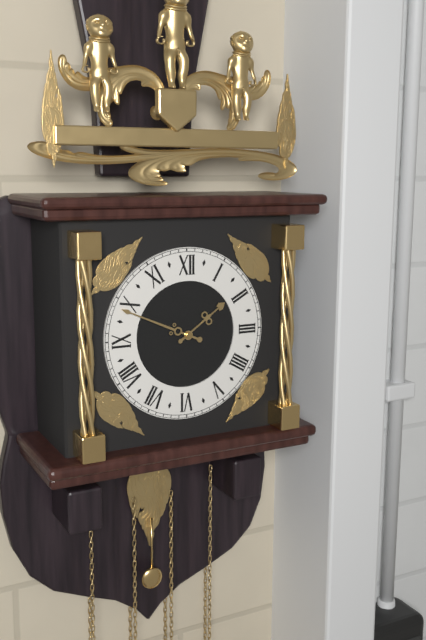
1.49
